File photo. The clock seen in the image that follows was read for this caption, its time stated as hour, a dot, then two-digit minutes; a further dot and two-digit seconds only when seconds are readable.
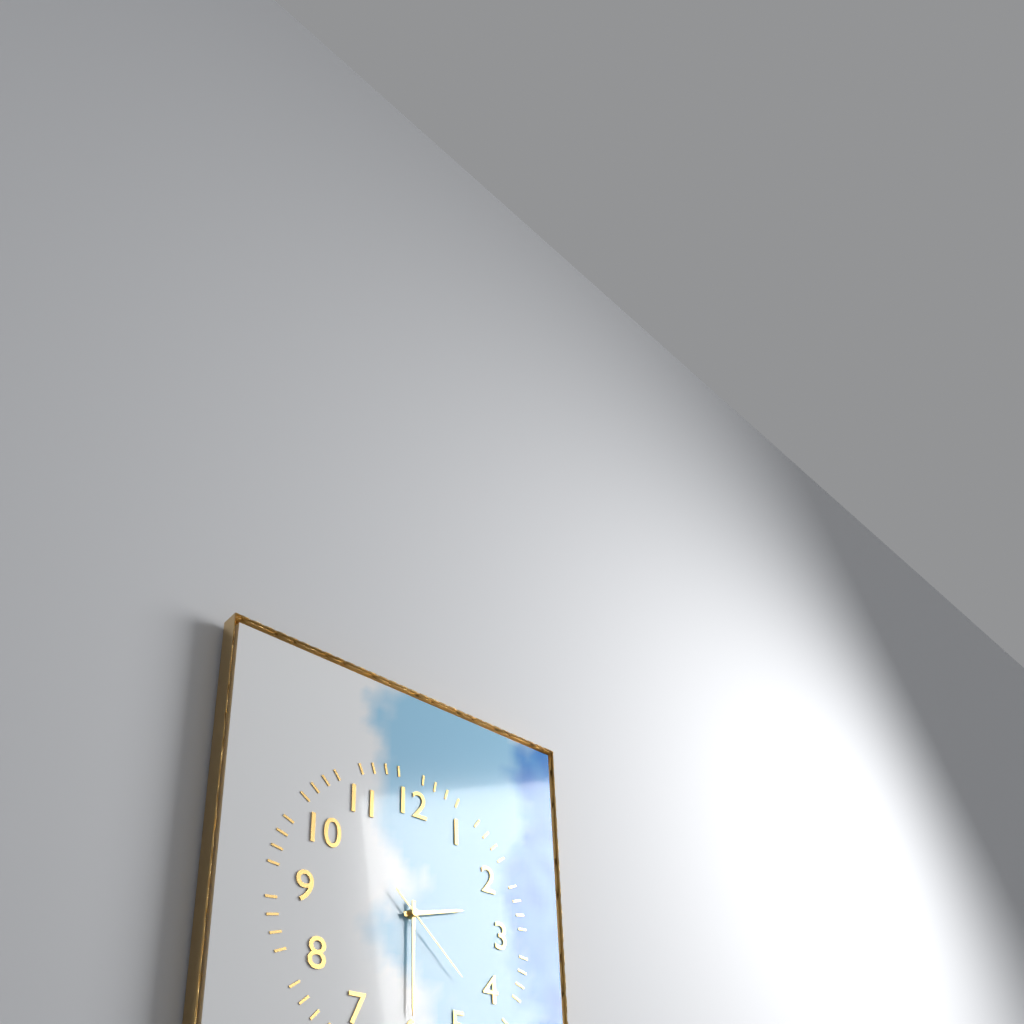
2.30.22
